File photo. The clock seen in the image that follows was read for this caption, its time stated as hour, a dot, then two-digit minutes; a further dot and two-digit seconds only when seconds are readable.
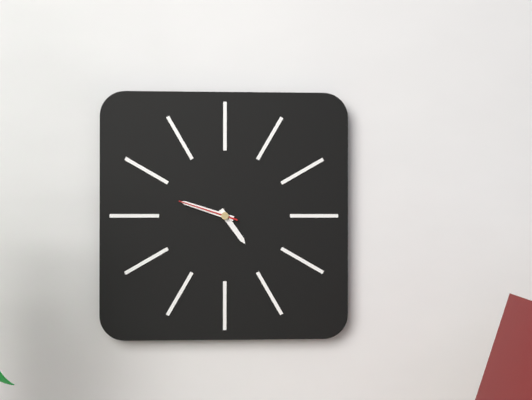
4.48.48
